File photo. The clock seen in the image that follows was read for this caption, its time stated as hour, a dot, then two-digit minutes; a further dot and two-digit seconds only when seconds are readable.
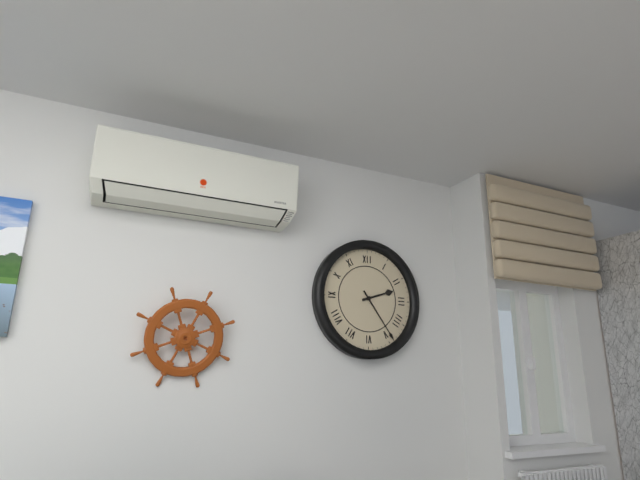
2.24
